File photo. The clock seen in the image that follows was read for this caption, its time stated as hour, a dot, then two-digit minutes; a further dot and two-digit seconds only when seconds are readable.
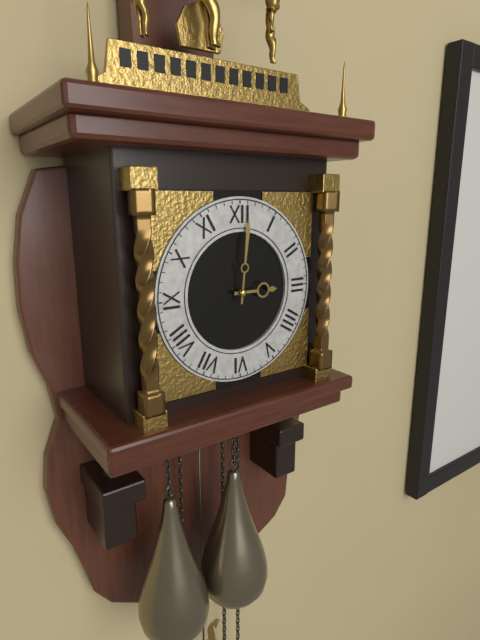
3.01
